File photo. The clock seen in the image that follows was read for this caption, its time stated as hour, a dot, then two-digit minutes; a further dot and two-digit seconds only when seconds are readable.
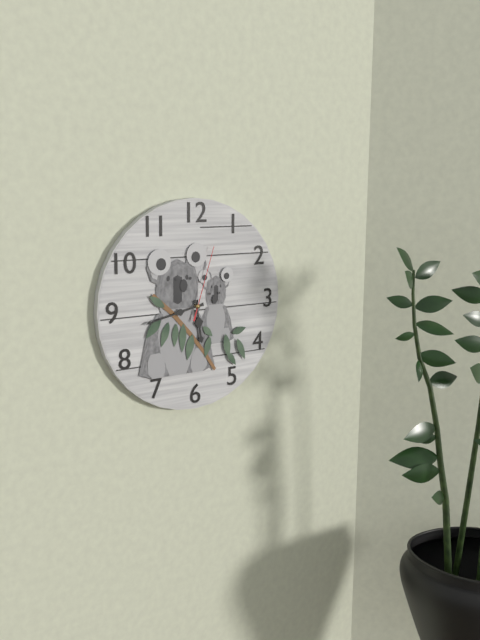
5.43.03
